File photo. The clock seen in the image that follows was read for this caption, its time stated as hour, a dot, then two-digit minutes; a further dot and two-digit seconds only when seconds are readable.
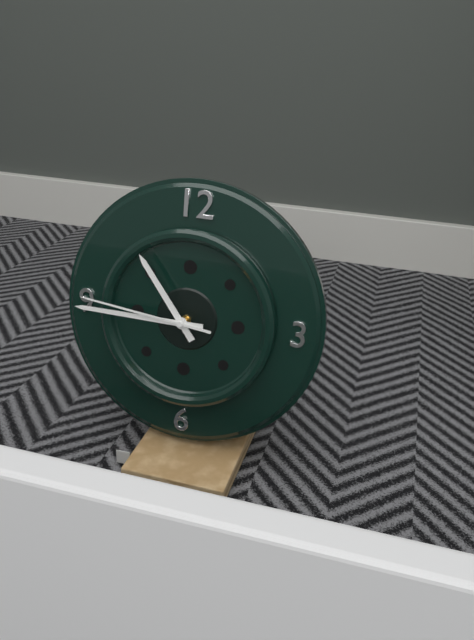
10.45.46
